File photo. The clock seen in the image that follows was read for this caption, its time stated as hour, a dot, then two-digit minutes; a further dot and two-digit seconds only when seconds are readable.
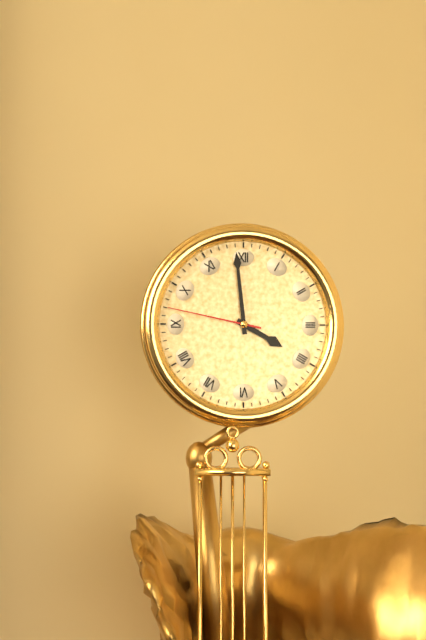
3.59.47
